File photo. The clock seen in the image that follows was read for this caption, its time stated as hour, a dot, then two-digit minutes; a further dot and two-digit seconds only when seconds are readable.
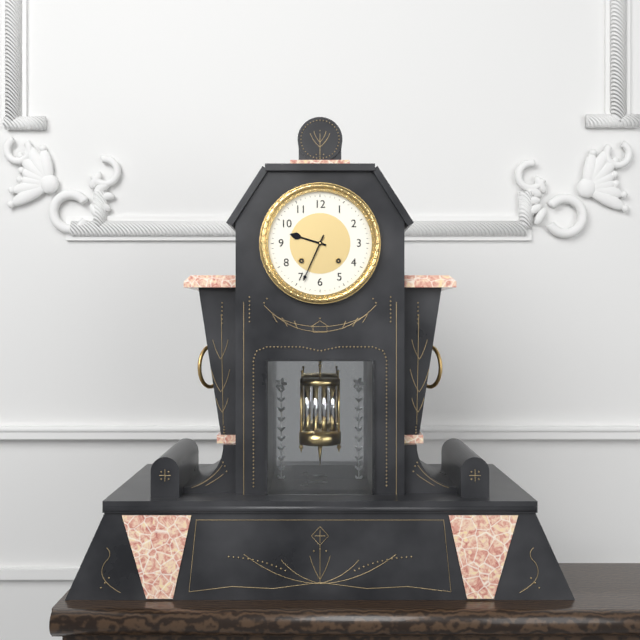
9.34
